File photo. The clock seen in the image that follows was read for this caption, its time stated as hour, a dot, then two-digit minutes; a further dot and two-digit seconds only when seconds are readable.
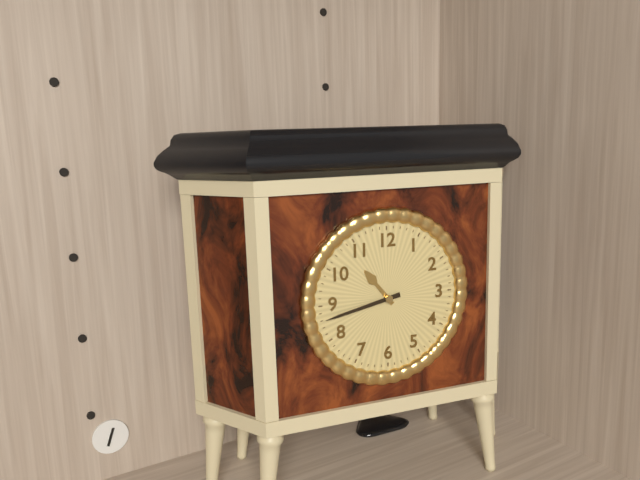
10.43
